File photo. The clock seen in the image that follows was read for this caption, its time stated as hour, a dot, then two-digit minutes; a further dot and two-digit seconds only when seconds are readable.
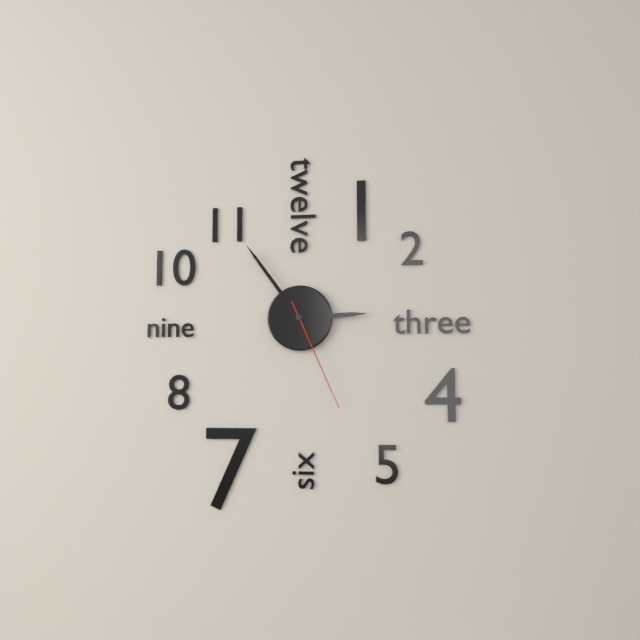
2.54.26
